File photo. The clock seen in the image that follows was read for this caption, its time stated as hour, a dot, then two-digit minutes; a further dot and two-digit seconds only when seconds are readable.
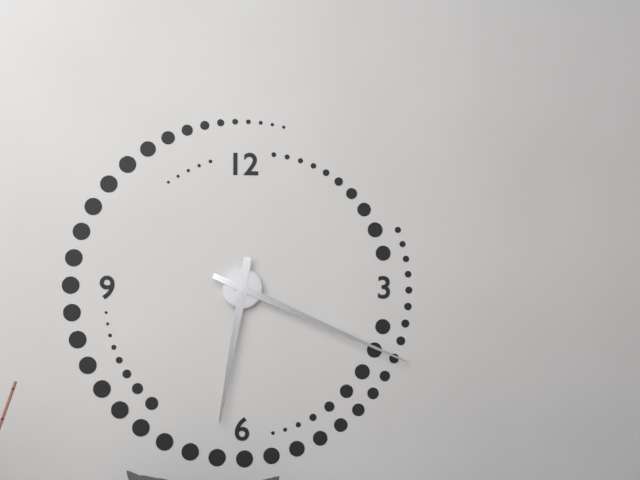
6.19
